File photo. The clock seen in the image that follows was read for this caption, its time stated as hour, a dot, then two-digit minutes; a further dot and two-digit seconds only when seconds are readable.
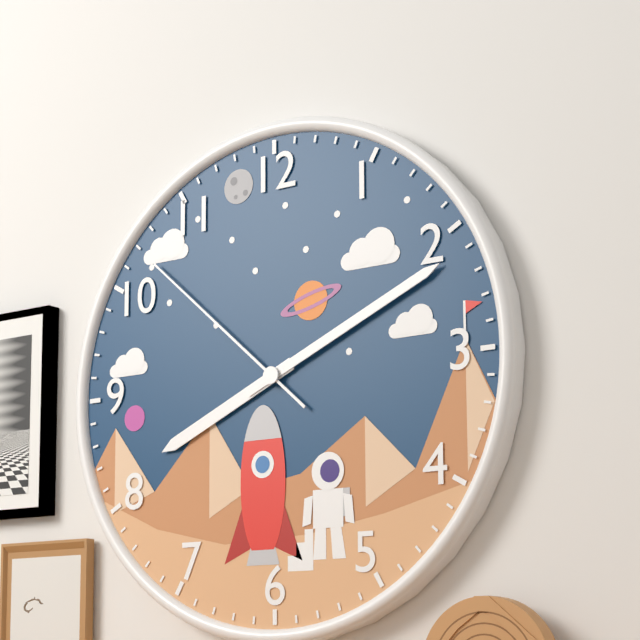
8.11.52
